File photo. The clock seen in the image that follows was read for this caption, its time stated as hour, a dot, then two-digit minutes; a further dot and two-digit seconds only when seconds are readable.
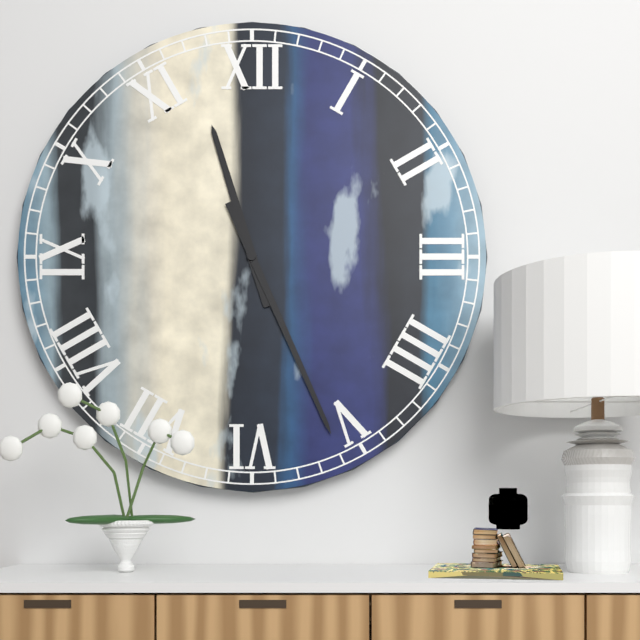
11.26
